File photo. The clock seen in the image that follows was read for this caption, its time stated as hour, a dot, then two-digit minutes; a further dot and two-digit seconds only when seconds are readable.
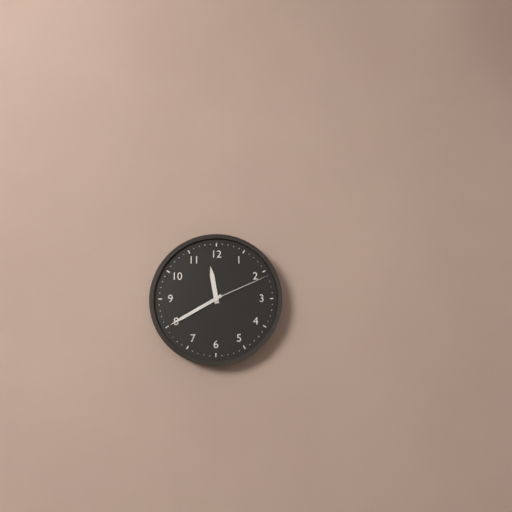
11.40.11
